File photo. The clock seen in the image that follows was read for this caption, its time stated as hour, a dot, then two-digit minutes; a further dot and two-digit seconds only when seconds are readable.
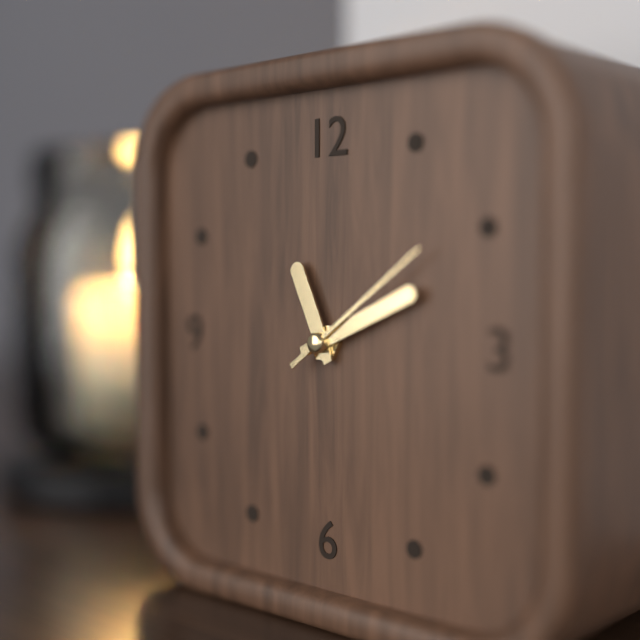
11.11.09
